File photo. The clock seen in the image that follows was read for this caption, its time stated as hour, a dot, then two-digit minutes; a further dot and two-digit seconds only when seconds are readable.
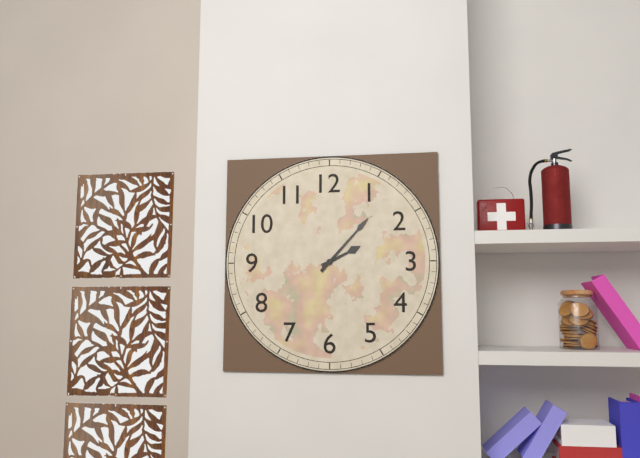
2.07
